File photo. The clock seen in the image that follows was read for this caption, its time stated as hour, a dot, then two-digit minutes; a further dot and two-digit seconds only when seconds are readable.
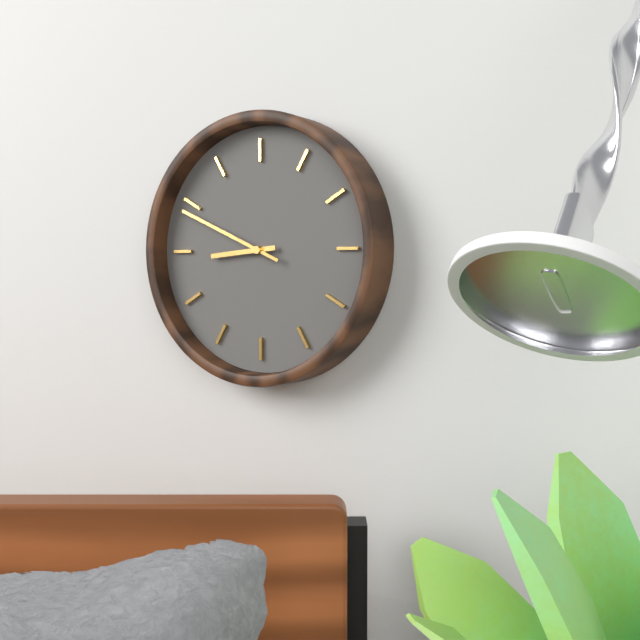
8.49
